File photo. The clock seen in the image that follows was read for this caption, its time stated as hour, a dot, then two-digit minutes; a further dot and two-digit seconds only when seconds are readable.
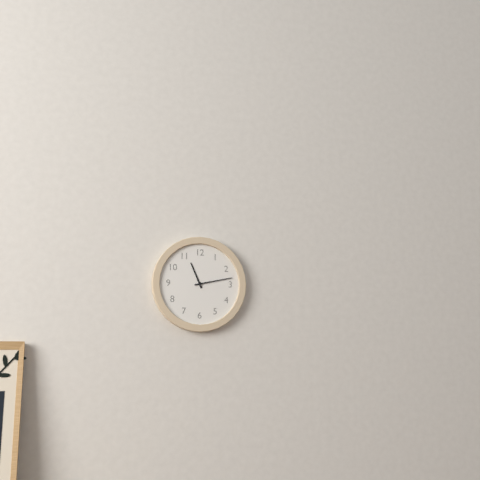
11.13
